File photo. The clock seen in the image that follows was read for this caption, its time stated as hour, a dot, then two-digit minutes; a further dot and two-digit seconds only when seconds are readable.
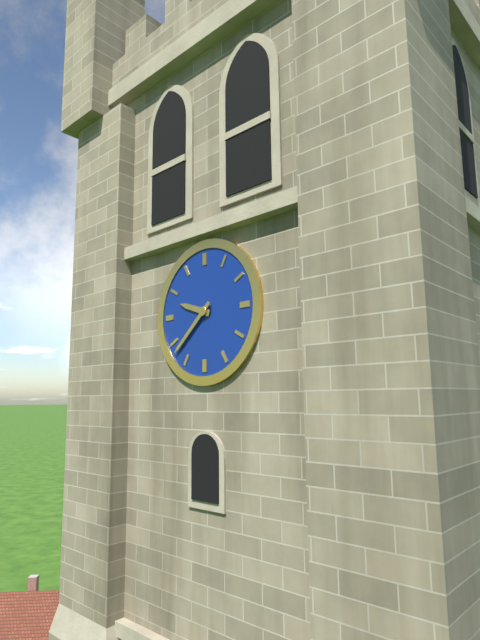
9.38
